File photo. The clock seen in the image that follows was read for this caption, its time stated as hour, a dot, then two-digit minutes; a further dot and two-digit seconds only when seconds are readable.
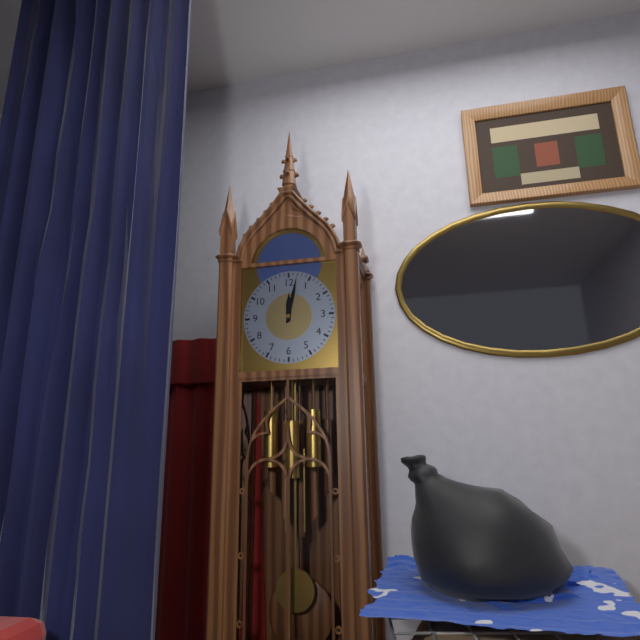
12.02
